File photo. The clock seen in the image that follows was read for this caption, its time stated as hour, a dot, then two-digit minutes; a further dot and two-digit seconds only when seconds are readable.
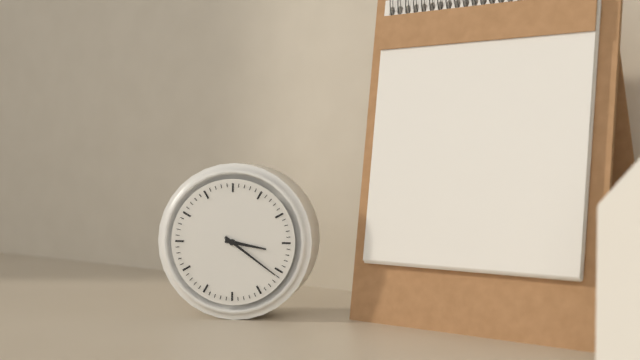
3.21
